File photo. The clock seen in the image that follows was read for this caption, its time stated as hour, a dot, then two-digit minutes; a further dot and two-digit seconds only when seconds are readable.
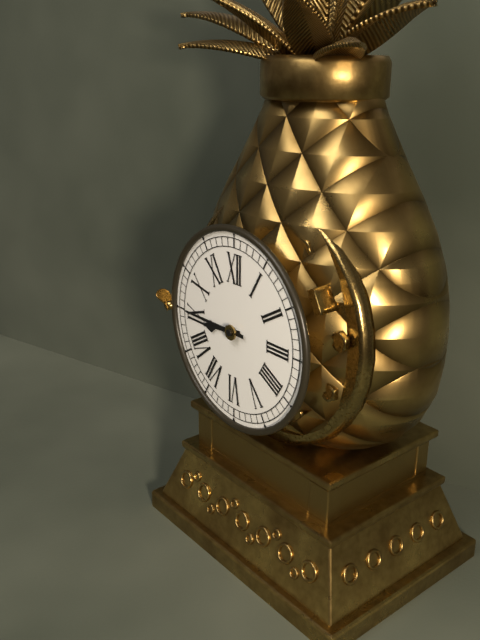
8.45
